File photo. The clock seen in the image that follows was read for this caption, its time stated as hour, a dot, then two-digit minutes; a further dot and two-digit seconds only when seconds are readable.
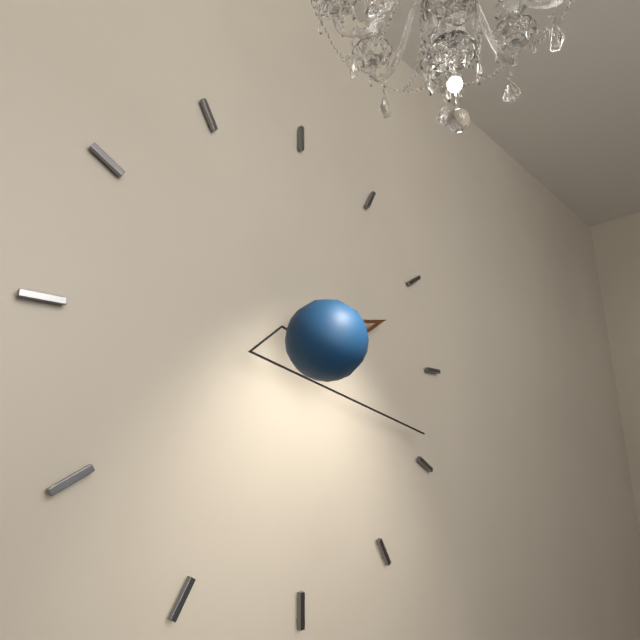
2.19
